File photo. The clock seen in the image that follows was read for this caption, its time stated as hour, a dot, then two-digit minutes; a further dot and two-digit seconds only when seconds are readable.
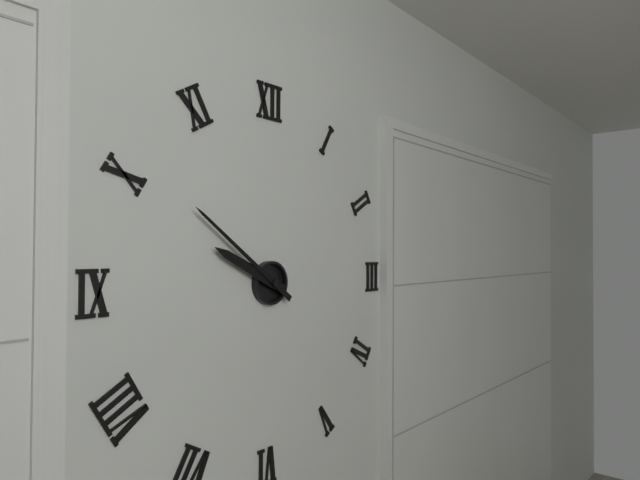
9.51
